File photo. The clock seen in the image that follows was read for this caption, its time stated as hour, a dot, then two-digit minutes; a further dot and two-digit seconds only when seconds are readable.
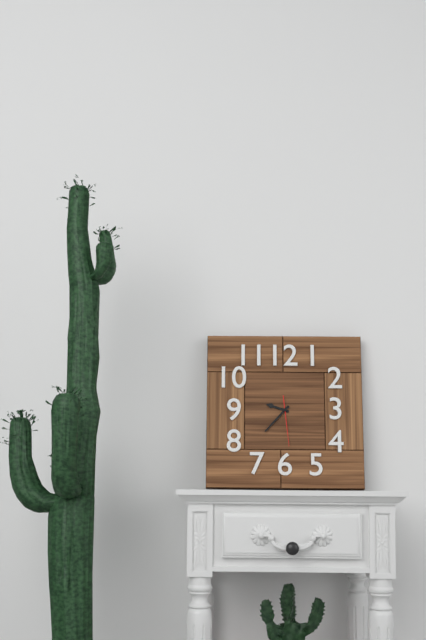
9.37
